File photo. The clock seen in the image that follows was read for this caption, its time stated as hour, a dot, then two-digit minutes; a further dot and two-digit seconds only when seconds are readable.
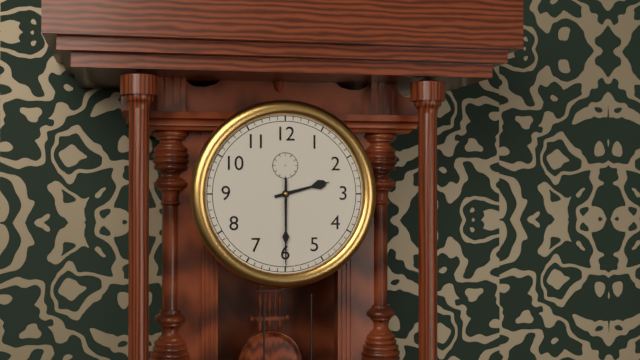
2.30
